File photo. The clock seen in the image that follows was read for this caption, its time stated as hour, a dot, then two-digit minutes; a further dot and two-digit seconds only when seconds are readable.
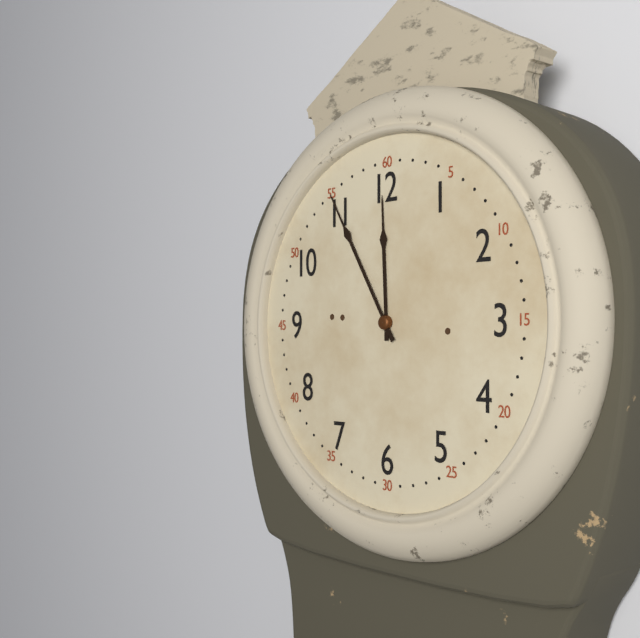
11.55
